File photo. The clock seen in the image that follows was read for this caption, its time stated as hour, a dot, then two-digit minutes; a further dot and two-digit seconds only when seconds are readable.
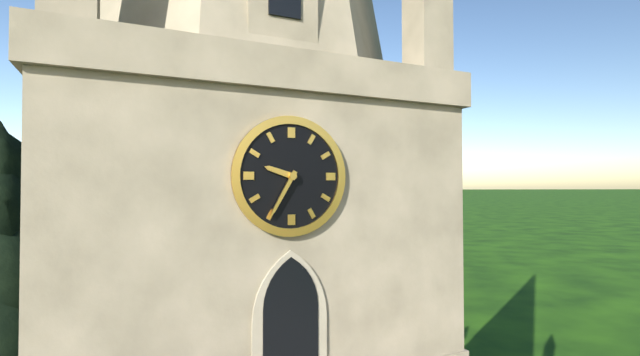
9.35
